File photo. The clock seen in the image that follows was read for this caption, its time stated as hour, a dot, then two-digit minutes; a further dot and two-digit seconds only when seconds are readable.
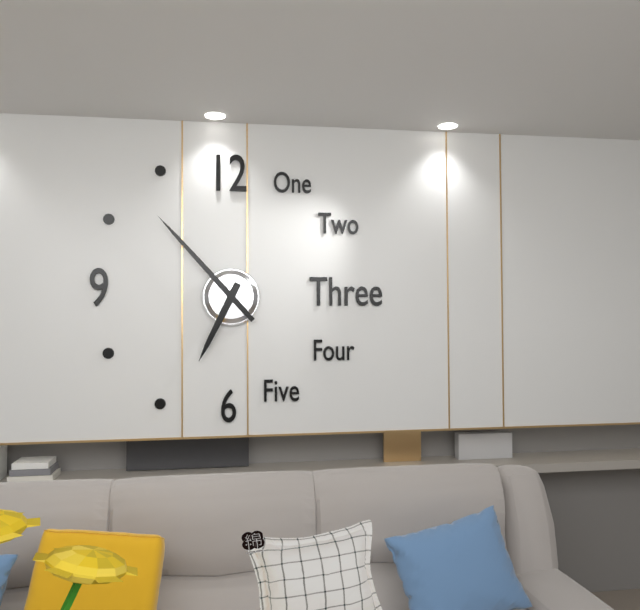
6.53
